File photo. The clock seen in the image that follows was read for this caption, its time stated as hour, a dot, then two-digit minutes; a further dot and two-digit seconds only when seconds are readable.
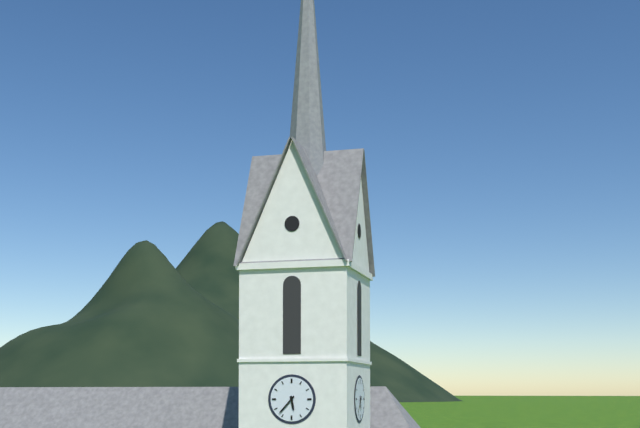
5.37
